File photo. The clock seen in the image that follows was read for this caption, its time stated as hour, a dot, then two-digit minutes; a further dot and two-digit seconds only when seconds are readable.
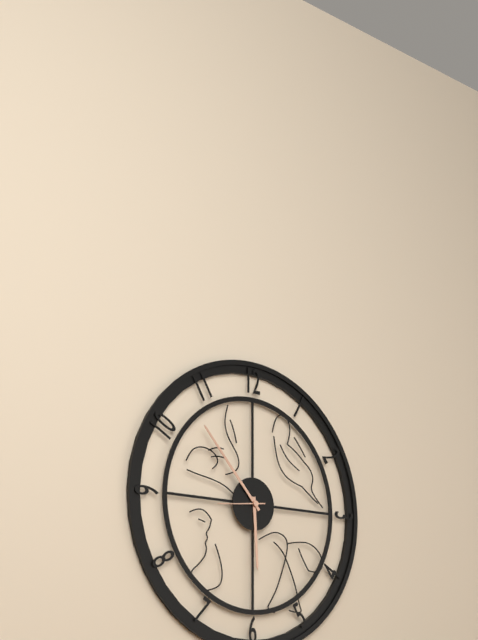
5.53
